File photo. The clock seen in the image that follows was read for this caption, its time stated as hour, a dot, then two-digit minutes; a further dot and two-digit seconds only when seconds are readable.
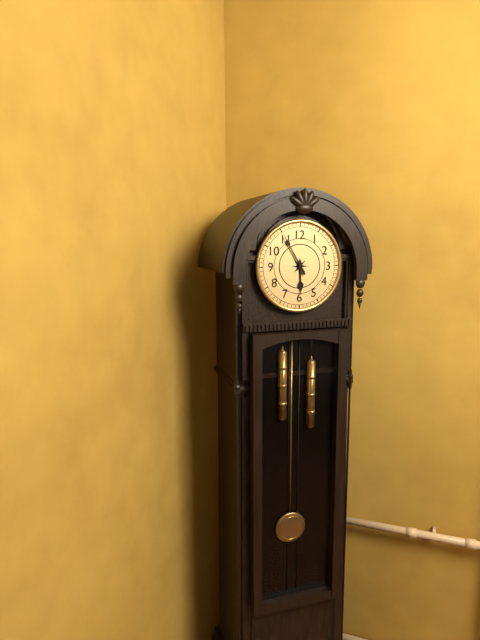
5.55
